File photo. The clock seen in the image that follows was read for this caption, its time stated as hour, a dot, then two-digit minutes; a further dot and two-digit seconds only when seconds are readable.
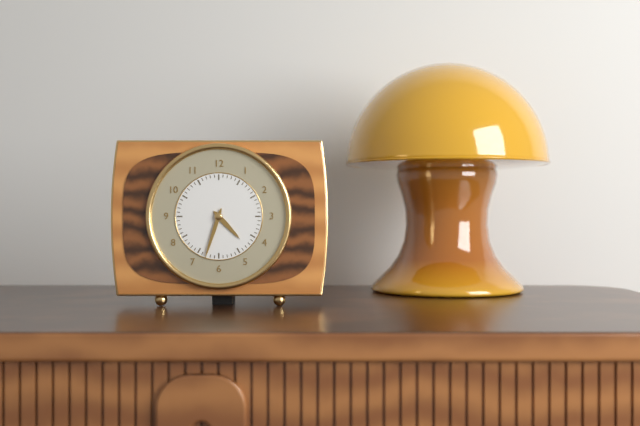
4.33
